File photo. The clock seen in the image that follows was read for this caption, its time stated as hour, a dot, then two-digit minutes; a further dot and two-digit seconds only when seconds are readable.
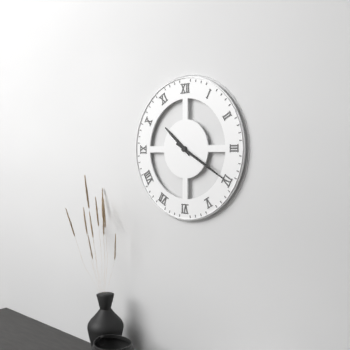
10.20
